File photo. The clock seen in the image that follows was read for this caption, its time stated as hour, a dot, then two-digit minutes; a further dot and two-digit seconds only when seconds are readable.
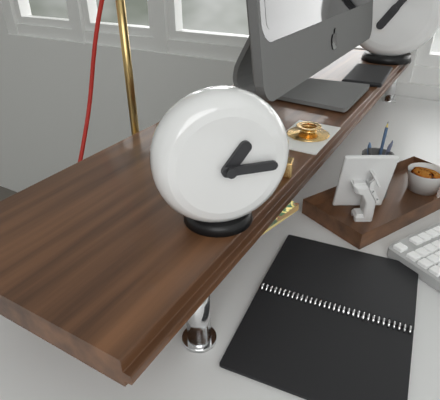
1.15
